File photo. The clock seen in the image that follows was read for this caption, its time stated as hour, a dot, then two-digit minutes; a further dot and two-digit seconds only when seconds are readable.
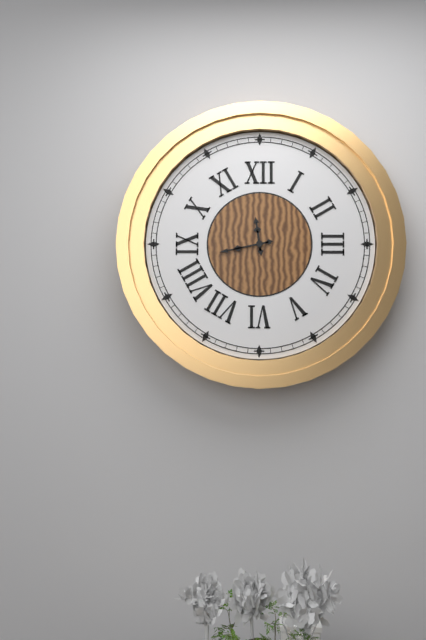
11.43
